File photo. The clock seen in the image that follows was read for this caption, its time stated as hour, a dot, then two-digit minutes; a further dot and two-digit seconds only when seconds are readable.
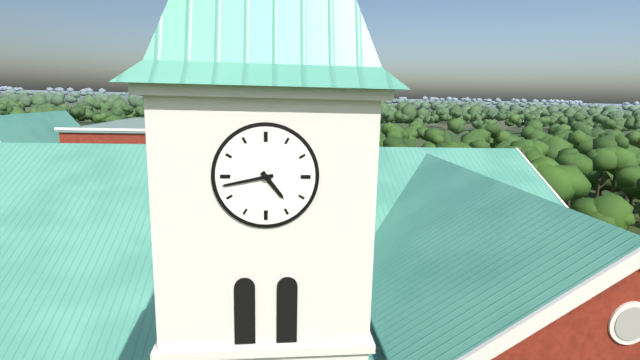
4.43
